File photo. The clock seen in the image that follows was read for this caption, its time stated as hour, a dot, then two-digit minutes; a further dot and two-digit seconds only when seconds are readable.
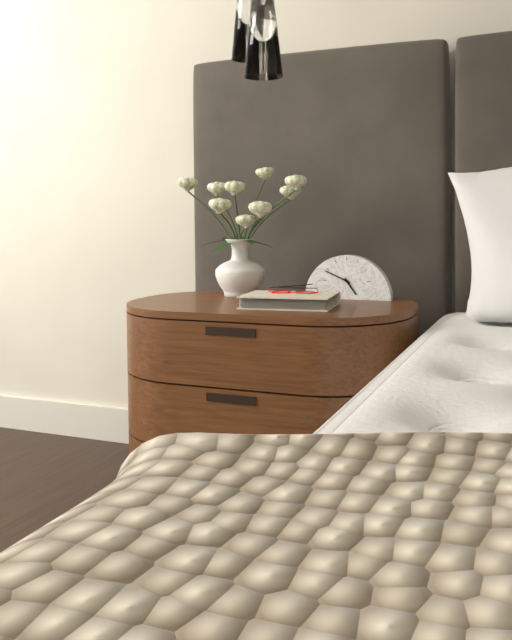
4.49
